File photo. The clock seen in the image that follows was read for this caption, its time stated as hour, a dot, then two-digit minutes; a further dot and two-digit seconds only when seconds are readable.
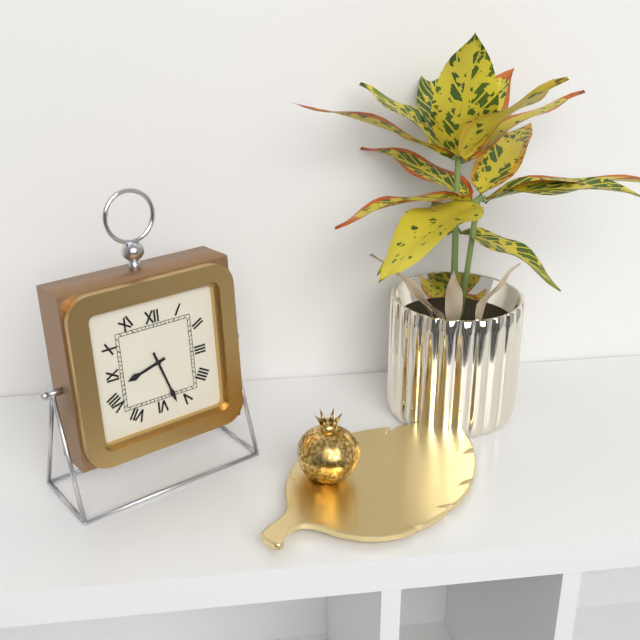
8.27
